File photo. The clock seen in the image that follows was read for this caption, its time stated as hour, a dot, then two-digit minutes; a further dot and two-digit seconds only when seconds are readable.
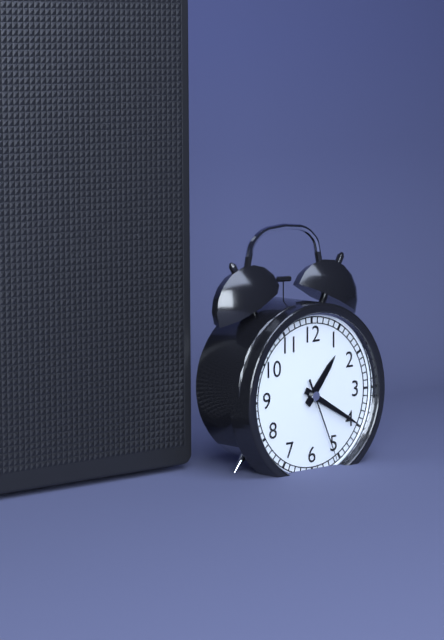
1.20.26
